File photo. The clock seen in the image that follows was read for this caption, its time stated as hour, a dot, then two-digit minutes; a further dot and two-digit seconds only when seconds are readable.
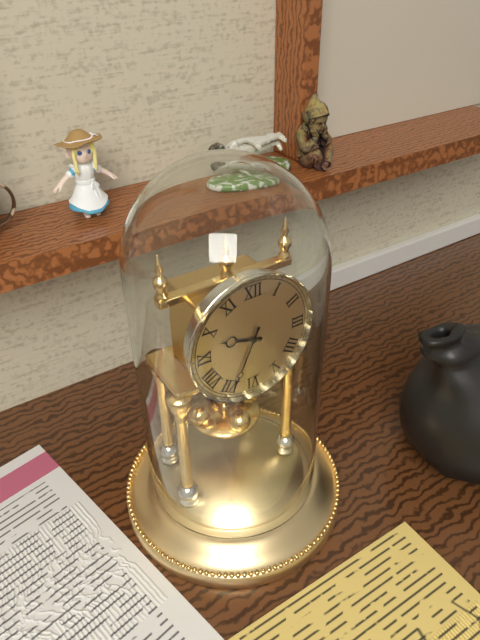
9.34
